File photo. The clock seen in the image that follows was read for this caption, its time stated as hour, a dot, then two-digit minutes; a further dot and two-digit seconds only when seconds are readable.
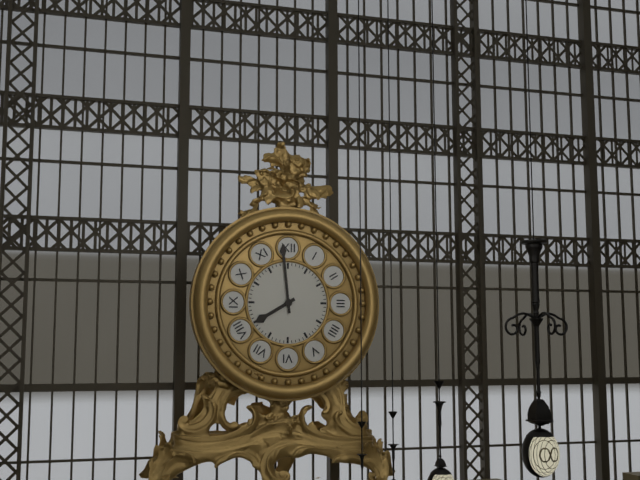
7.59
